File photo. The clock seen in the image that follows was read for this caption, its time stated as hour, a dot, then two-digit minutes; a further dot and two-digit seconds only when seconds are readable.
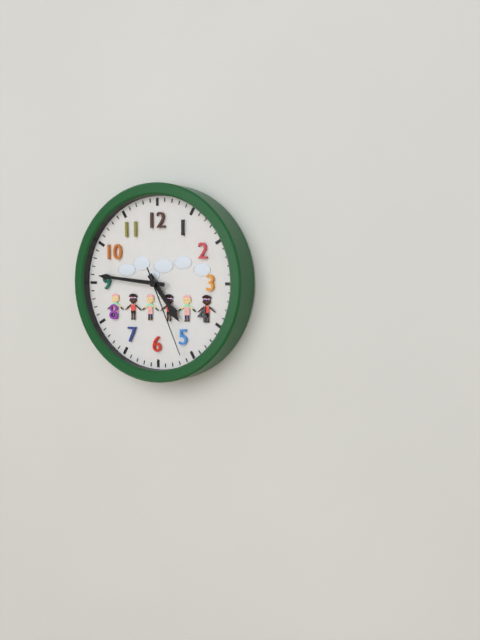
4.46.26
